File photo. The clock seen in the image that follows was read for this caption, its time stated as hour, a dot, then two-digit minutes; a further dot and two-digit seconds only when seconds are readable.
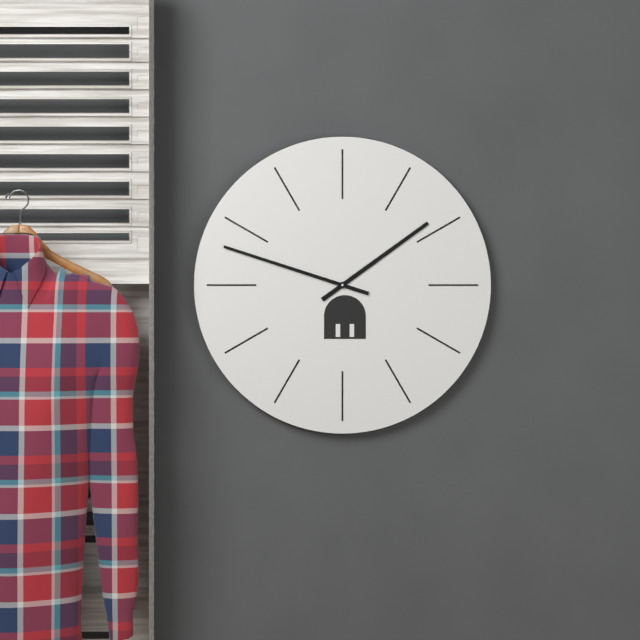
1.48
